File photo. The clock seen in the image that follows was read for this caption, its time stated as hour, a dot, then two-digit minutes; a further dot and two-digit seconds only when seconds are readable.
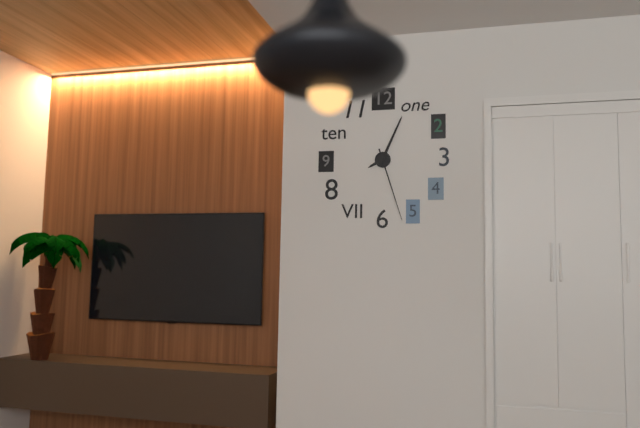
8.04.27
